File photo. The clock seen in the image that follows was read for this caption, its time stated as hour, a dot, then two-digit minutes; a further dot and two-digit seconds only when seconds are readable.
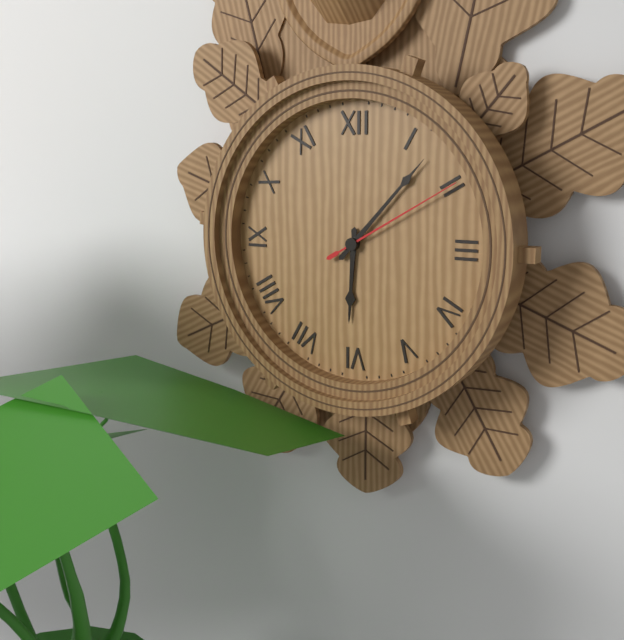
6.07.10
